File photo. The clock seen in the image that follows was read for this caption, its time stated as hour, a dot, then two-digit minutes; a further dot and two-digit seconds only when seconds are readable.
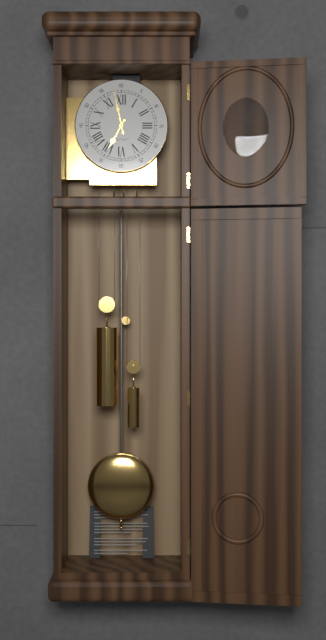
6.58
